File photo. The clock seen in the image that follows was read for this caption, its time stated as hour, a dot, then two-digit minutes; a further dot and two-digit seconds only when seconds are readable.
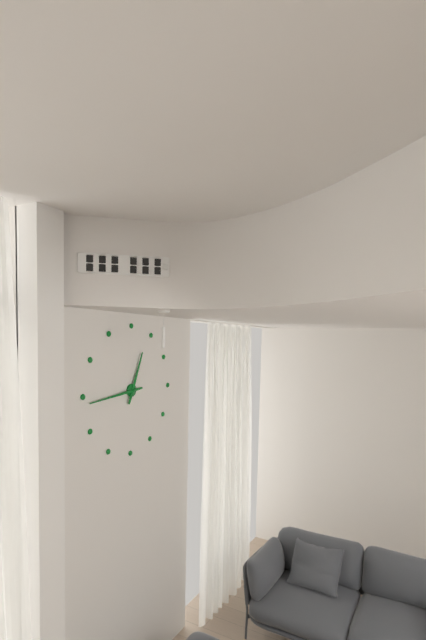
12.44
